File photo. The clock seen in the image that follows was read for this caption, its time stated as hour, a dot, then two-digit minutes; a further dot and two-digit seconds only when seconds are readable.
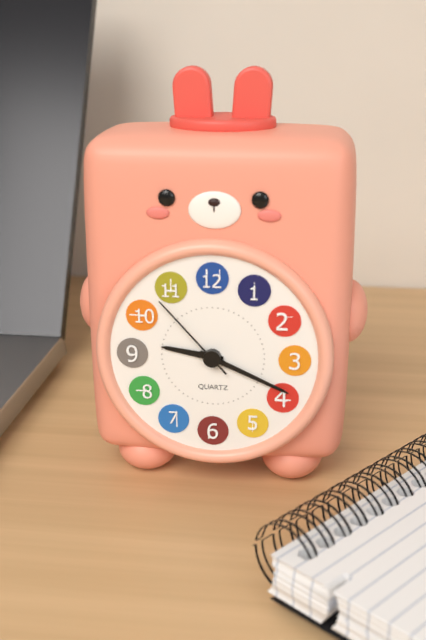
9.19.53
